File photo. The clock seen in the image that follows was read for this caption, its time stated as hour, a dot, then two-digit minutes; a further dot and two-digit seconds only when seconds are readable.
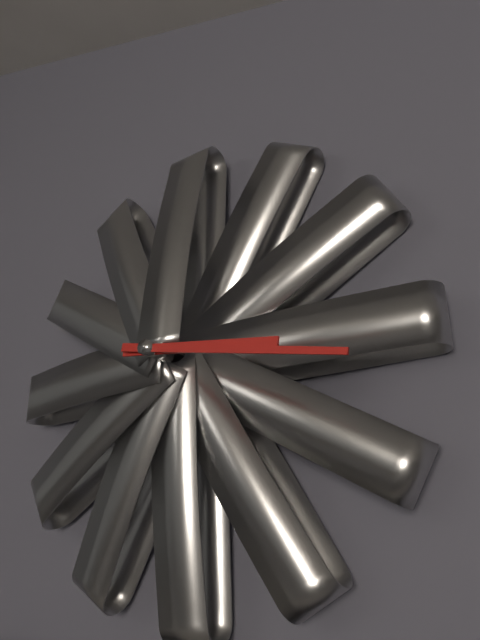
3.17
